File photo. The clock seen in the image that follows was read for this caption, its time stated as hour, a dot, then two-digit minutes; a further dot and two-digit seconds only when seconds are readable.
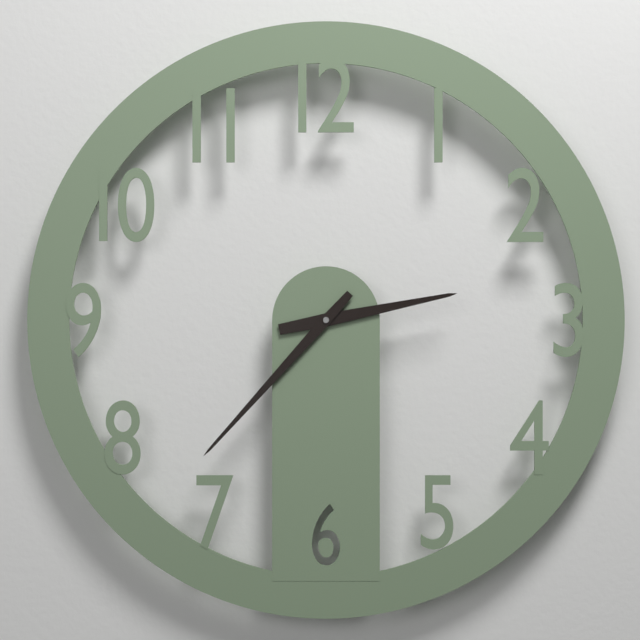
2.37
